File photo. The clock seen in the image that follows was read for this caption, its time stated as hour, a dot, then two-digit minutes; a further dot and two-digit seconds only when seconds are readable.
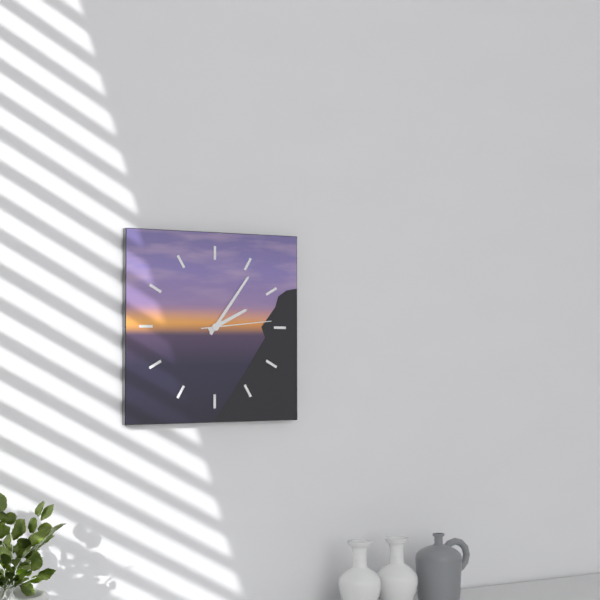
2.06.14
